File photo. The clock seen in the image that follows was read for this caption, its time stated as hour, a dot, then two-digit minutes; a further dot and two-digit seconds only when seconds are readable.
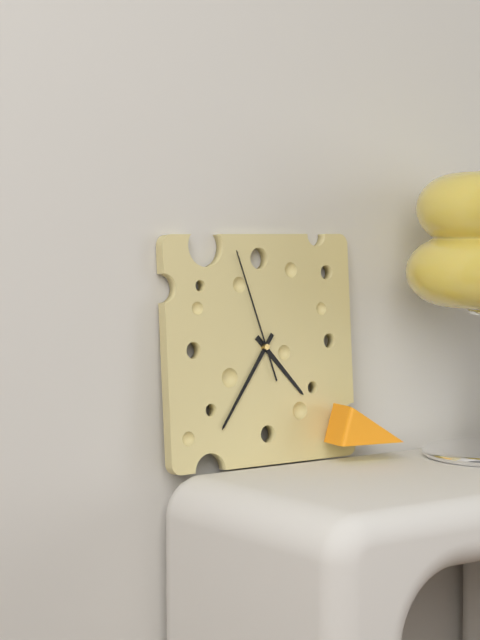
4.36.57
